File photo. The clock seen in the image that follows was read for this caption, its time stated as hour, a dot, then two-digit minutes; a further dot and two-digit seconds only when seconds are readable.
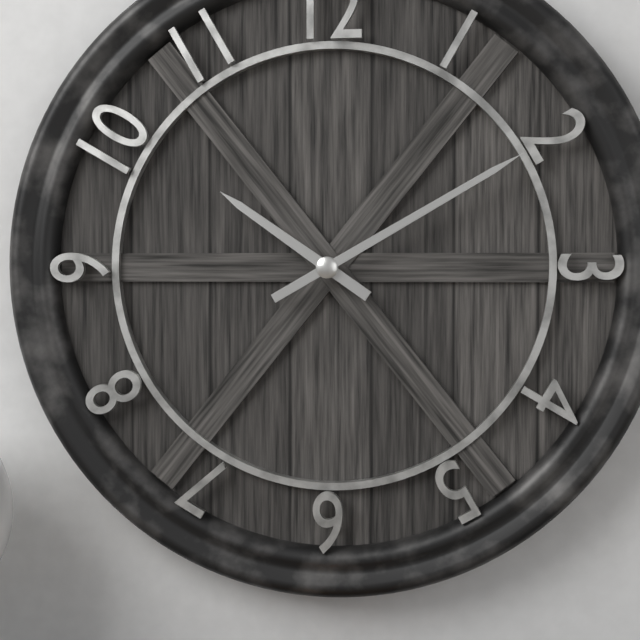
10.10
